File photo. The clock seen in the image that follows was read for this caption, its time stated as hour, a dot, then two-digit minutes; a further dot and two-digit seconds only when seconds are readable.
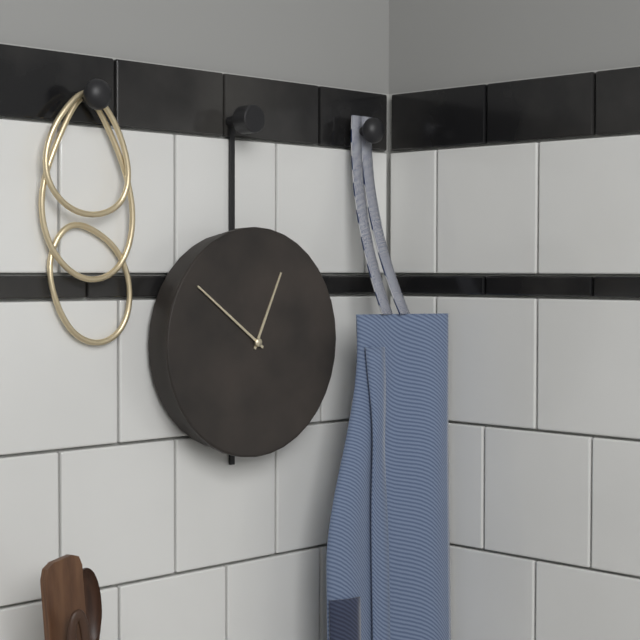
12.51
